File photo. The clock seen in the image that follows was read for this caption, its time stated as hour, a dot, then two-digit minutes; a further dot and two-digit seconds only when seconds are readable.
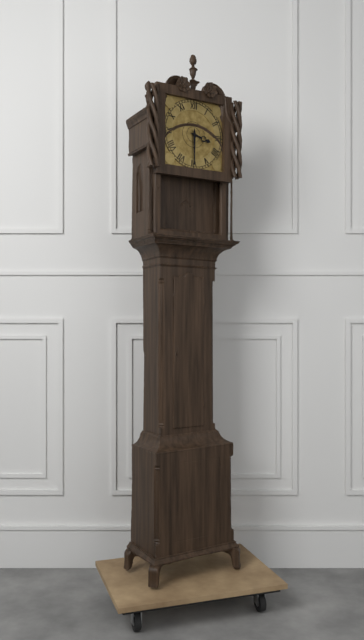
3.30
